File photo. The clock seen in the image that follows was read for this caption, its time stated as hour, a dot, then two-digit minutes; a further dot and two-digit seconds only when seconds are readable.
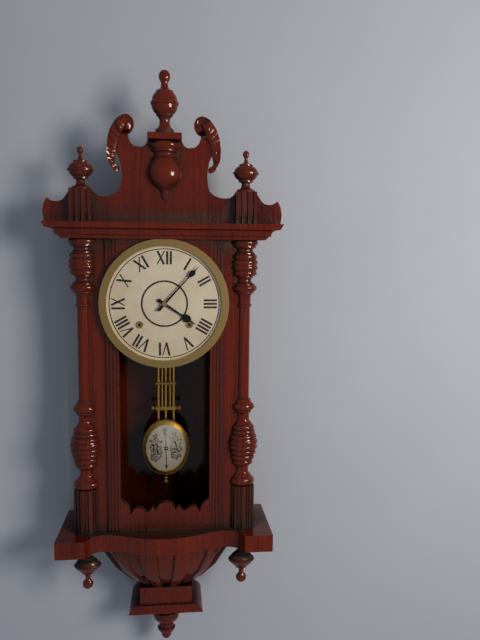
4.07
